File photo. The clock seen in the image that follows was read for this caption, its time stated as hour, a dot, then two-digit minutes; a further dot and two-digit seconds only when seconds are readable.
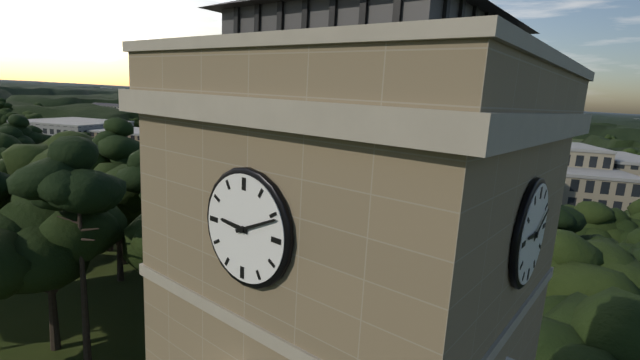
9.11
